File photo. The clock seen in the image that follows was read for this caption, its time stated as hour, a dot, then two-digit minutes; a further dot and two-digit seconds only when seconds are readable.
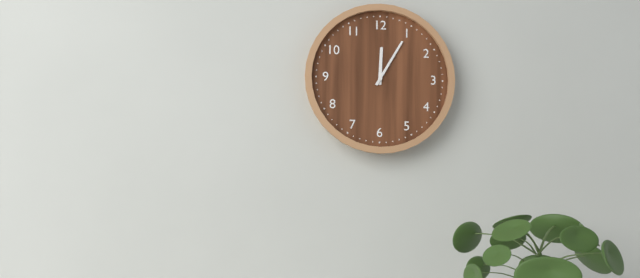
12.05
